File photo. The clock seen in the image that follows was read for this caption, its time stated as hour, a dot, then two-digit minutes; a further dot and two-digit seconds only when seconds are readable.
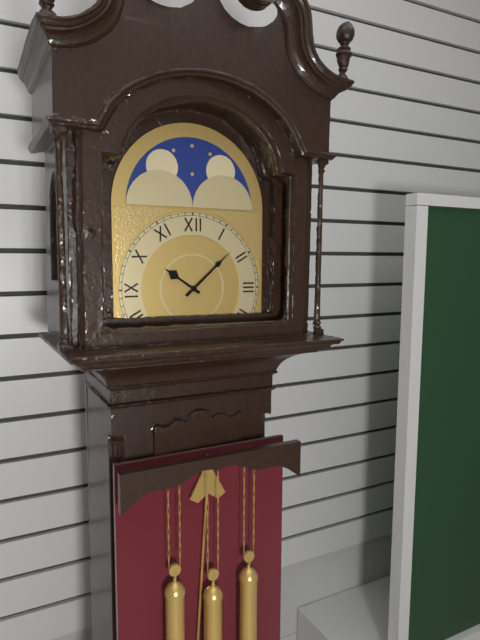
10.08
